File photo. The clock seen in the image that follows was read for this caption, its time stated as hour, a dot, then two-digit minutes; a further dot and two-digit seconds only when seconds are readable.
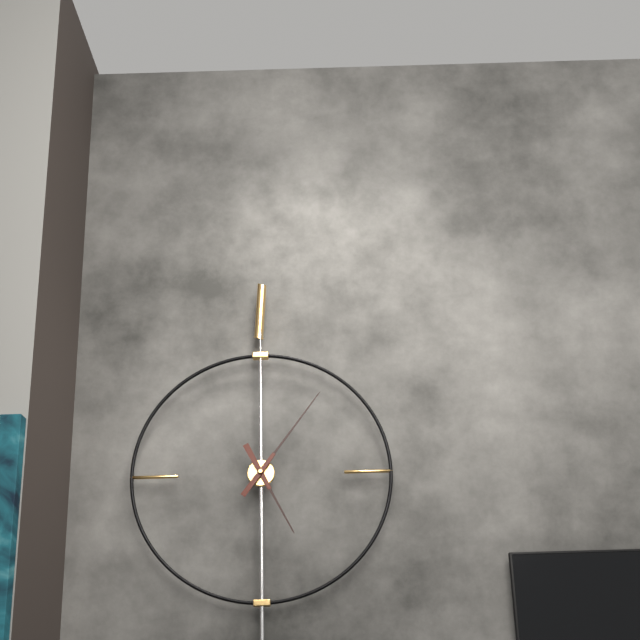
5.06
